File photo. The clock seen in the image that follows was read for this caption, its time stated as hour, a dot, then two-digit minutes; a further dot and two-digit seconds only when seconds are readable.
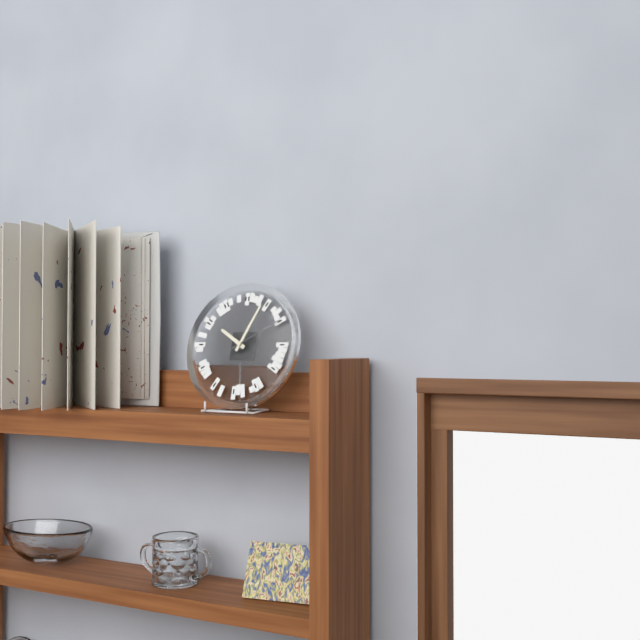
10.04.10
